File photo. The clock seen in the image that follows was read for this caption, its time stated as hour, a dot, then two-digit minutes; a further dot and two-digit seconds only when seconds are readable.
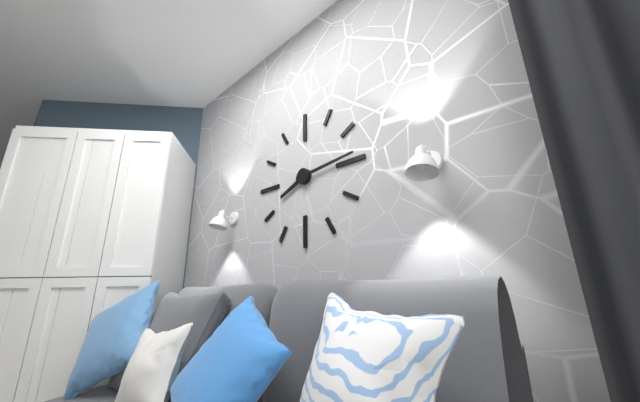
8.14
